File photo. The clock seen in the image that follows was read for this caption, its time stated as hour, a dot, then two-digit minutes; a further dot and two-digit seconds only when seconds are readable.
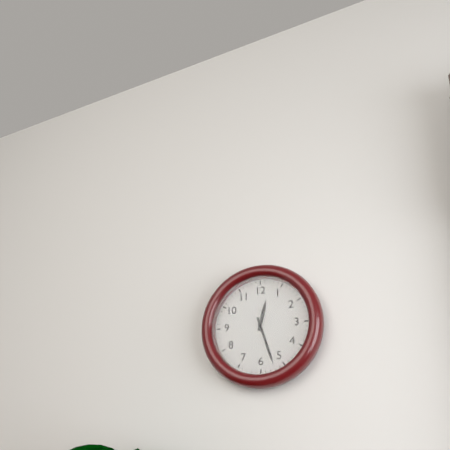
12.27
